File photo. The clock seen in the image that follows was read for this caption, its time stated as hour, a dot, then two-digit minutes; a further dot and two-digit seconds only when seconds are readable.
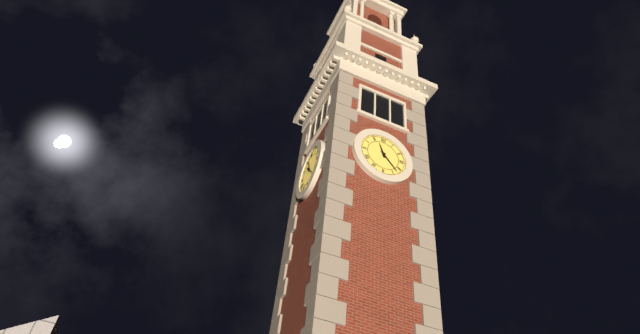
11.23
